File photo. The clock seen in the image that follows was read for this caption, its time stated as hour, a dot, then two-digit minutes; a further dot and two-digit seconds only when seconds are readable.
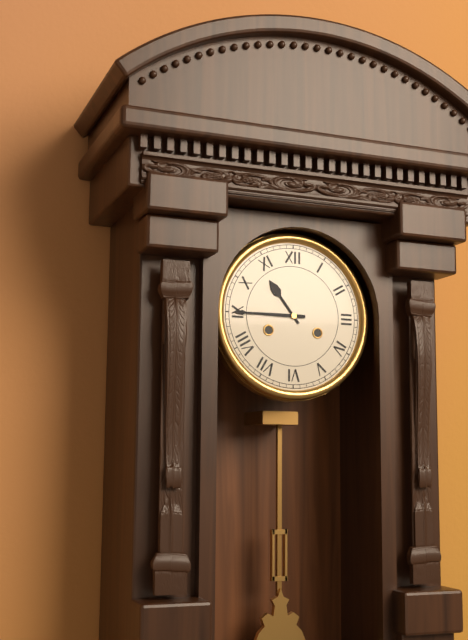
10.45
